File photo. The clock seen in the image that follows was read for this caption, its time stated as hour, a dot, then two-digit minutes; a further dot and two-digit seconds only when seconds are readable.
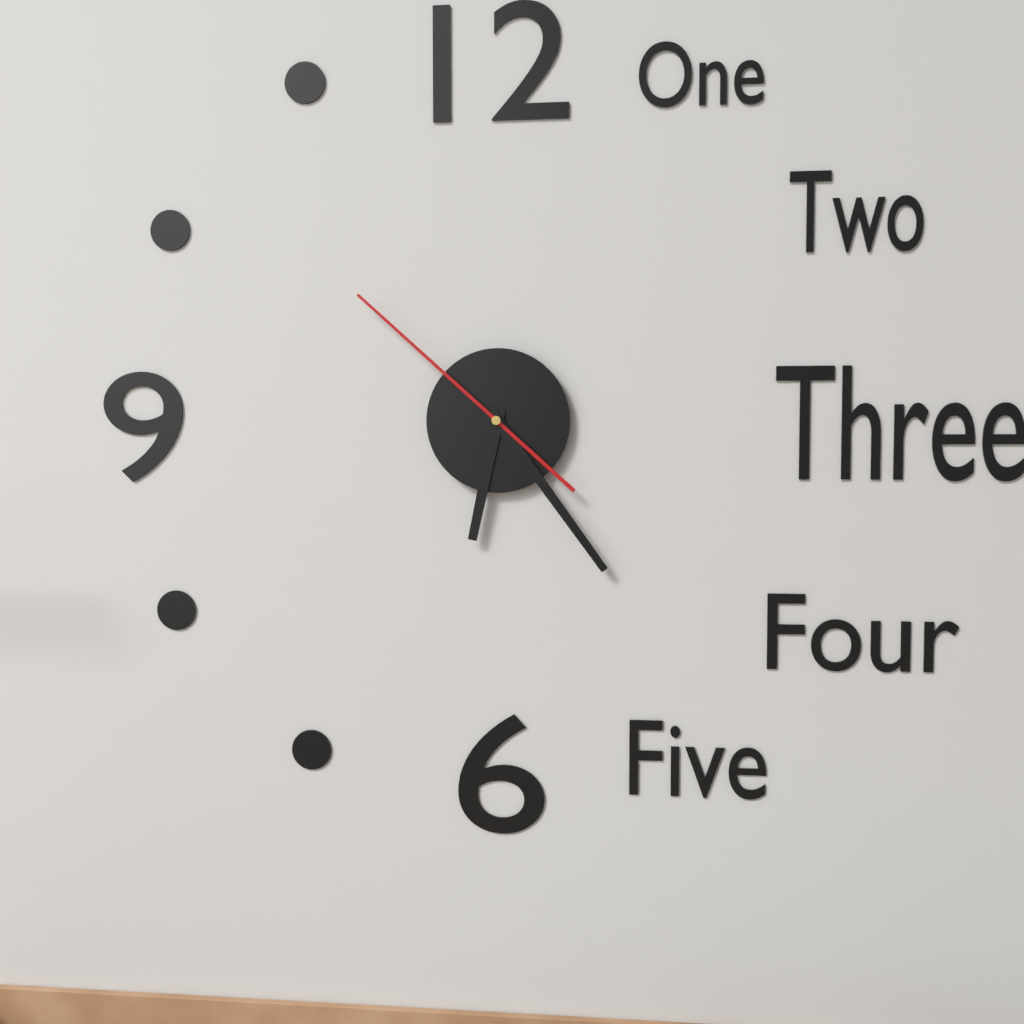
6.24.52
